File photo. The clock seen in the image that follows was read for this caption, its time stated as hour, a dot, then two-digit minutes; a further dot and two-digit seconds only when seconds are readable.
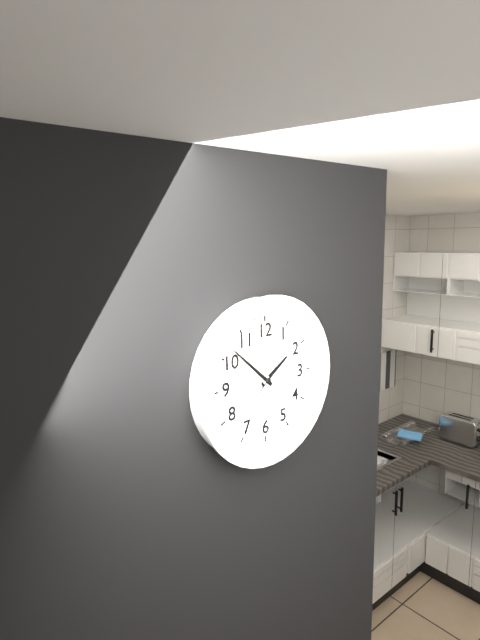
1.52.38
